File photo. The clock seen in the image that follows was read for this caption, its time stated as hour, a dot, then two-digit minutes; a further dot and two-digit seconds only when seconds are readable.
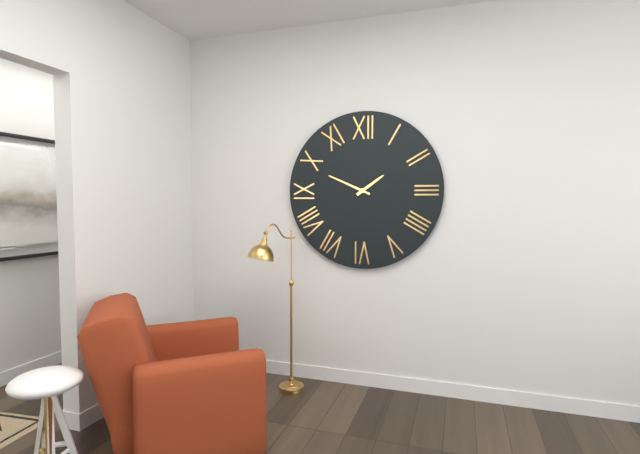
1.49
